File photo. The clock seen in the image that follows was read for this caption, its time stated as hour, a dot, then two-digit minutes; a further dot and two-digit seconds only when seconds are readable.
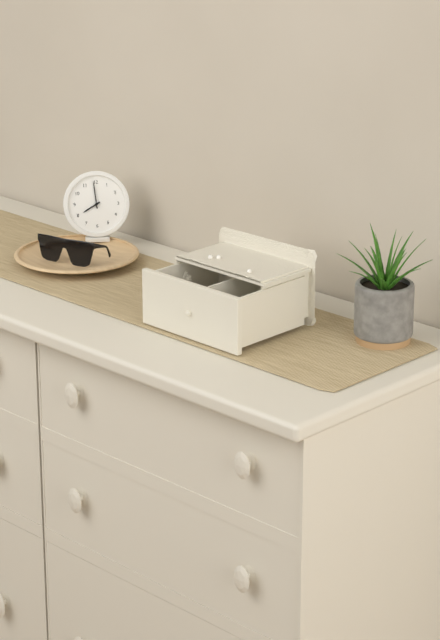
7.59
